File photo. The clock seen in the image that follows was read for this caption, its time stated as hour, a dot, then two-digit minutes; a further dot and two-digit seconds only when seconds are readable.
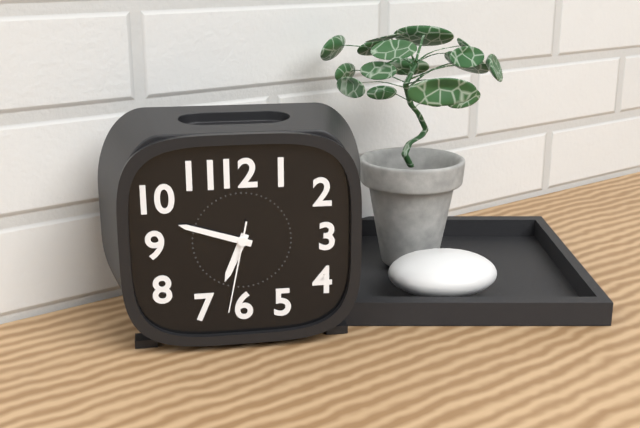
6.48.32
